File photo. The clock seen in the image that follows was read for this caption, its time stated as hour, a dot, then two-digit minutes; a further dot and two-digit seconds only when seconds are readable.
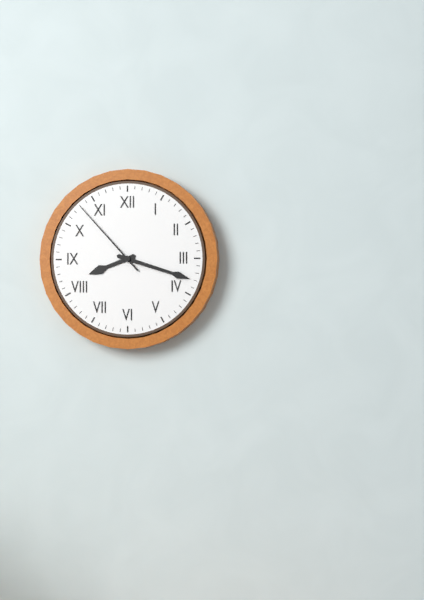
8.18.53
